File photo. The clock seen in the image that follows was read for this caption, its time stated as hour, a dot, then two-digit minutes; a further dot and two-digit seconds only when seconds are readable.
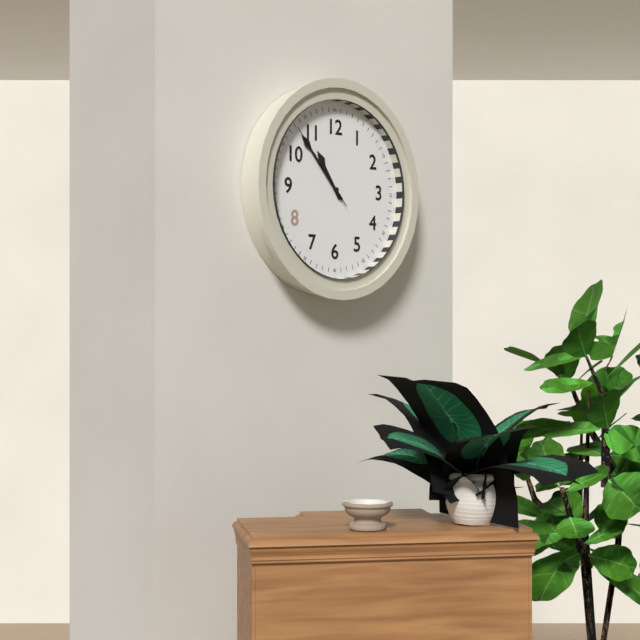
10.53.53
